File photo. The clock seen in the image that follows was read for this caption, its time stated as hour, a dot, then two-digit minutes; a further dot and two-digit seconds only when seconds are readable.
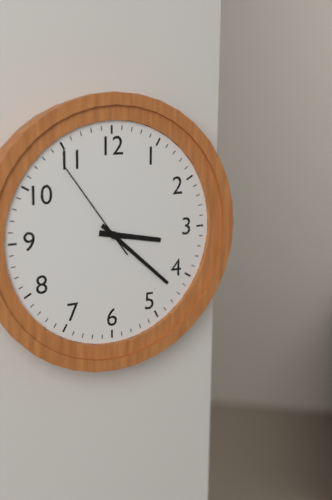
3.22.54
